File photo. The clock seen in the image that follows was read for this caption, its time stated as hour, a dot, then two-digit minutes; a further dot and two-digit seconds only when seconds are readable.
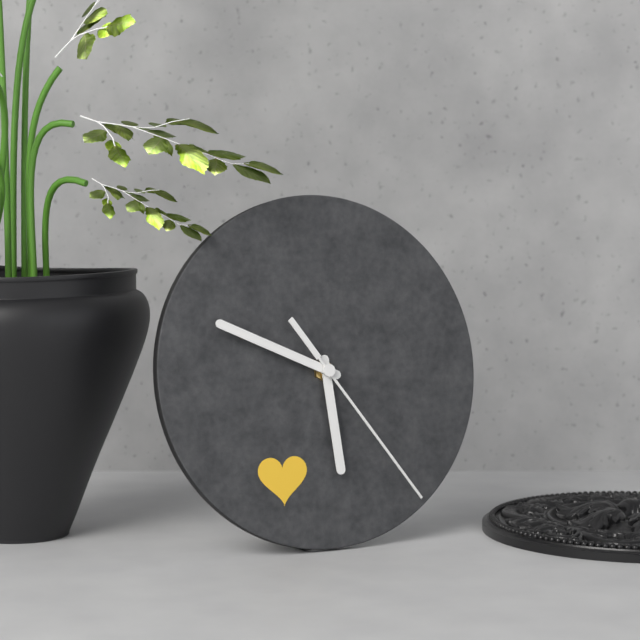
5.49.24
